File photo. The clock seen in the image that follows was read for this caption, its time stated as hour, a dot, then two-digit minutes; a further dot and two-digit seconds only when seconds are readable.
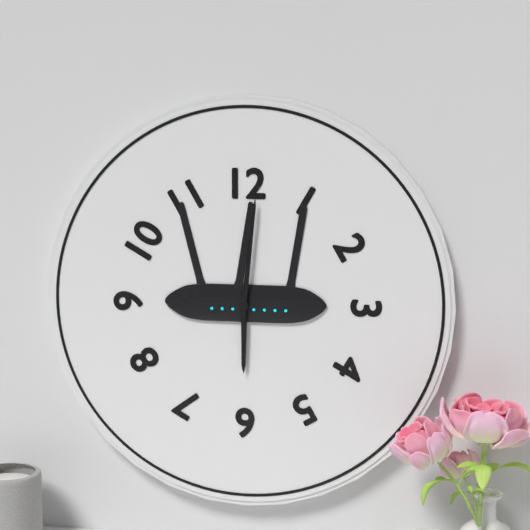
6.01
